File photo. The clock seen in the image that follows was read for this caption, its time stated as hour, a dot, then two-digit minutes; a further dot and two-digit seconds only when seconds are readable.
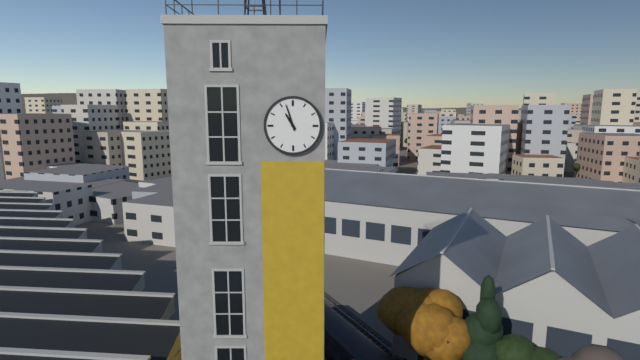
10.57
